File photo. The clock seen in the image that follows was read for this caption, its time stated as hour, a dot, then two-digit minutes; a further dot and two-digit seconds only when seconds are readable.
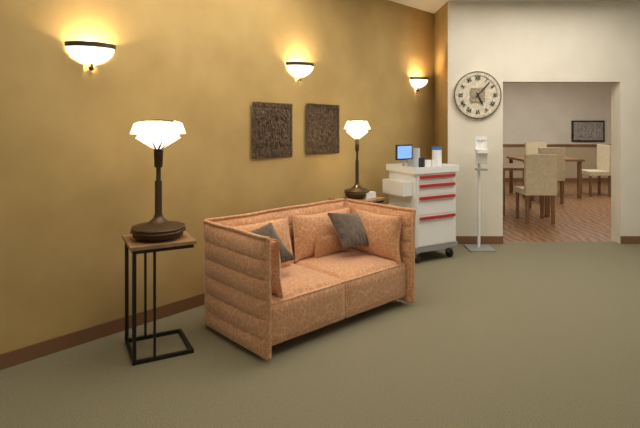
5.07
